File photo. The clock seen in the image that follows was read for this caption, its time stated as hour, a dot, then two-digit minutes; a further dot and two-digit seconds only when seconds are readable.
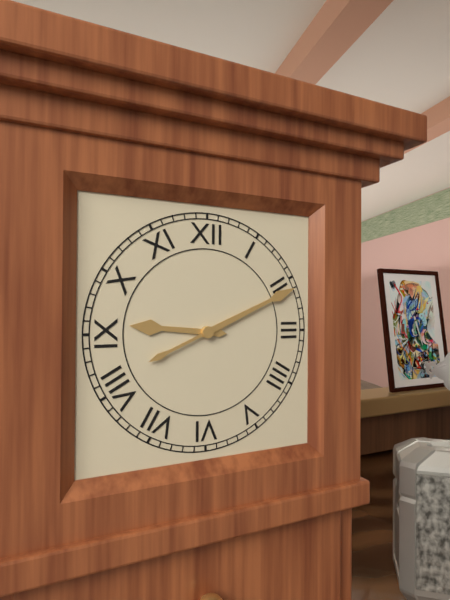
9.11
